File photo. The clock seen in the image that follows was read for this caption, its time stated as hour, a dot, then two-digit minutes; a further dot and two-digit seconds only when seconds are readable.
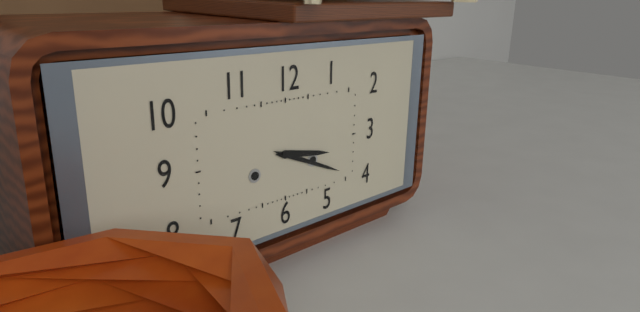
3.19
